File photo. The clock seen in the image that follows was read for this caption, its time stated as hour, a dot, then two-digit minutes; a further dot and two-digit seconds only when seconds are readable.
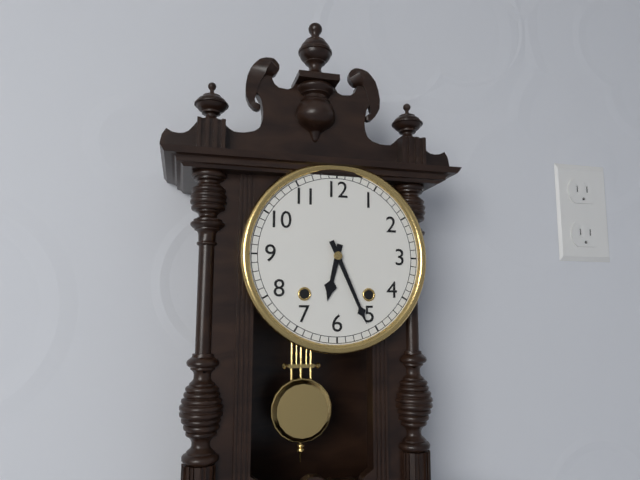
6.26
